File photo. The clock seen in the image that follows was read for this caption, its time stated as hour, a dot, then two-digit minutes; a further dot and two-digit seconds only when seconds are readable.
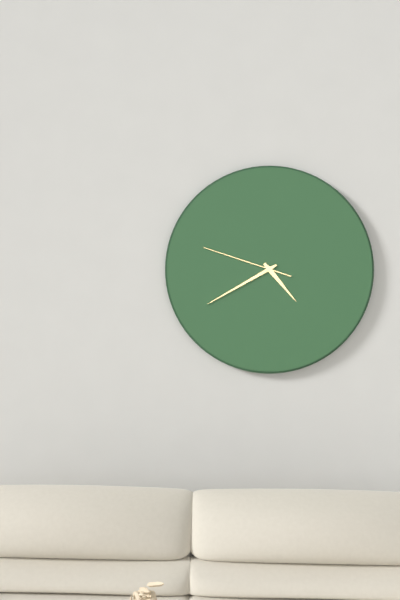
4.40.48
